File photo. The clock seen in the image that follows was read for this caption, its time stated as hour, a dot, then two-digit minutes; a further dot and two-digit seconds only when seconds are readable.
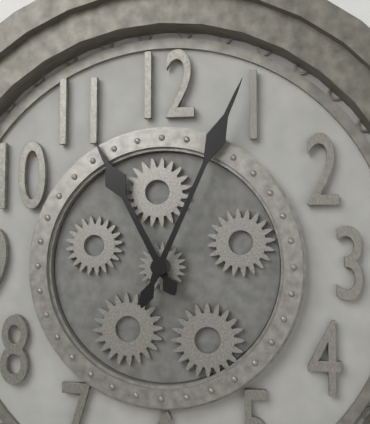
11.04
